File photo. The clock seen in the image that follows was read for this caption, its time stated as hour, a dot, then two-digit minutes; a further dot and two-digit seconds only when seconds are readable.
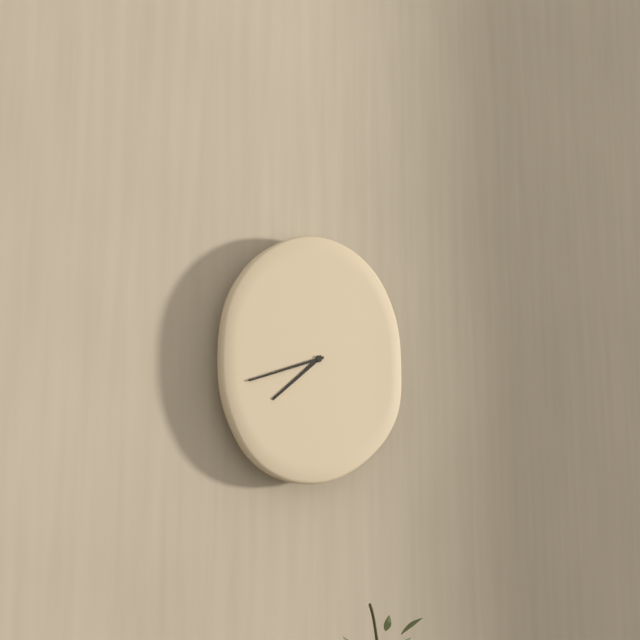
7.42
